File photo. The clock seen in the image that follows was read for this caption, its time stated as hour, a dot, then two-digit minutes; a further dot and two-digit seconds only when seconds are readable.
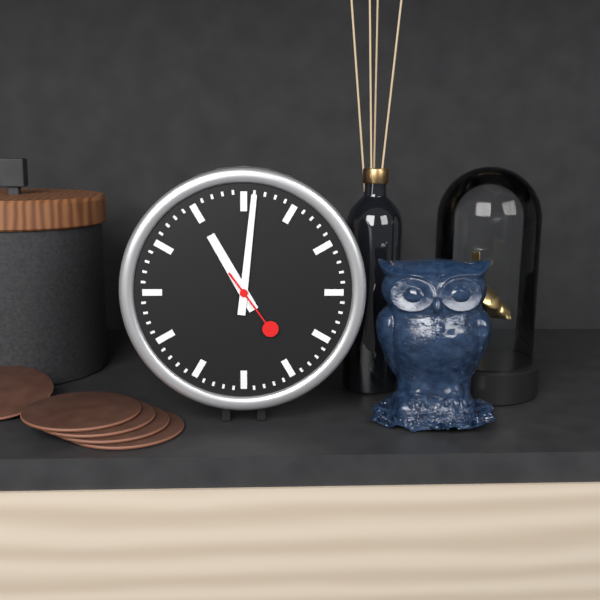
11.01.24
